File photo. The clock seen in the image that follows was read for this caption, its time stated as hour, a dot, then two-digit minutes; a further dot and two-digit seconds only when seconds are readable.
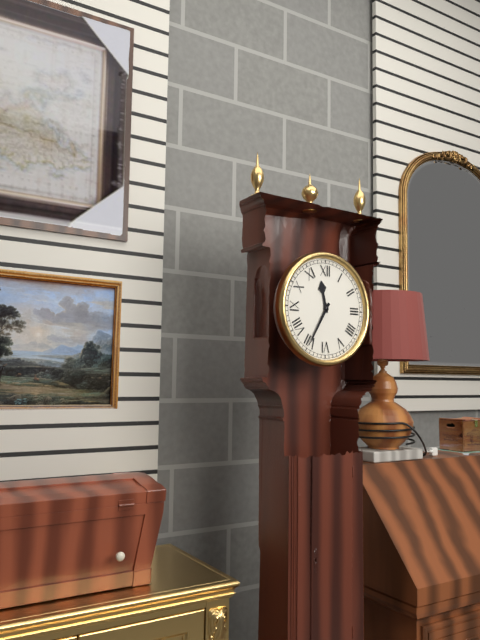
11.35
